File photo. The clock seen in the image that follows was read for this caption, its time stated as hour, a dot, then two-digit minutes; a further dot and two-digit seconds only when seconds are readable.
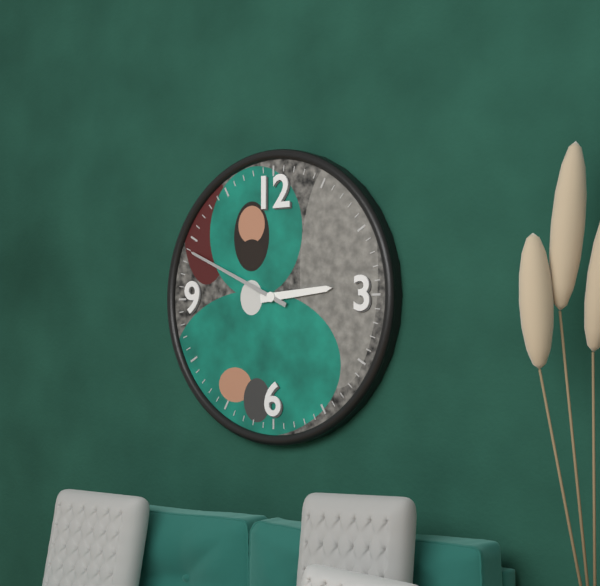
2.49
